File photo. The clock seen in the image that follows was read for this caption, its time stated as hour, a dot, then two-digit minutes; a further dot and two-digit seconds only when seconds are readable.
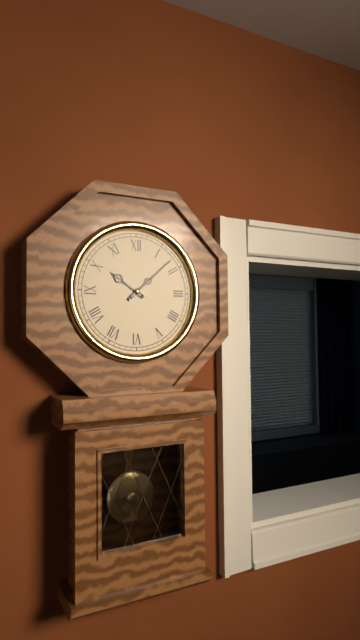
10.08
